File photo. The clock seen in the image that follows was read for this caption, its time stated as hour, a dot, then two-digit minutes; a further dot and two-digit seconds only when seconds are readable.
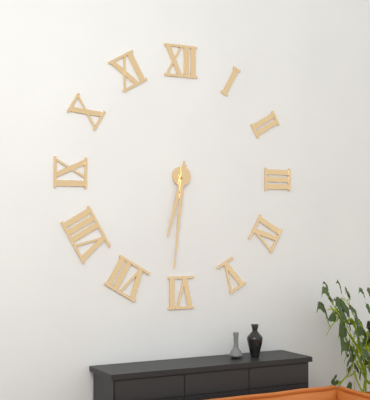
6.31
